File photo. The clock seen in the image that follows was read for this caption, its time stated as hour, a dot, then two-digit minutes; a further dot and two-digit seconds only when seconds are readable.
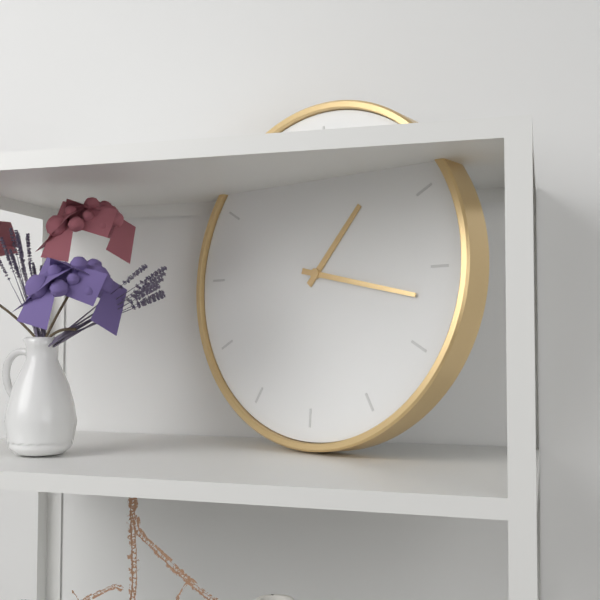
1.17
